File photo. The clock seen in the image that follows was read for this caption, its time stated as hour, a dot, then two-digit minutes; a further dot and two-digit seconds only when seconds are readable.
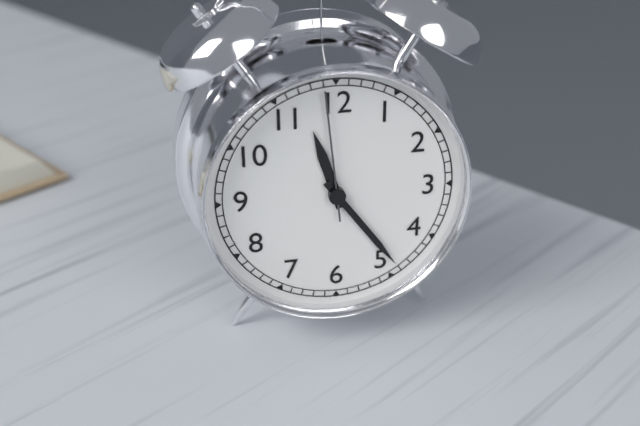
11.24.59
